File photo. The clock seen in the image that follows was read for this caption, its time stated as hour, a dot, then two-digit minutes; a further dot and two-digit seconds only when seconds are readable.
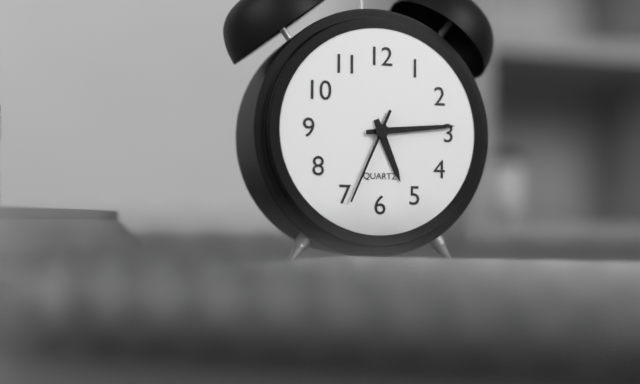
5.14.34
